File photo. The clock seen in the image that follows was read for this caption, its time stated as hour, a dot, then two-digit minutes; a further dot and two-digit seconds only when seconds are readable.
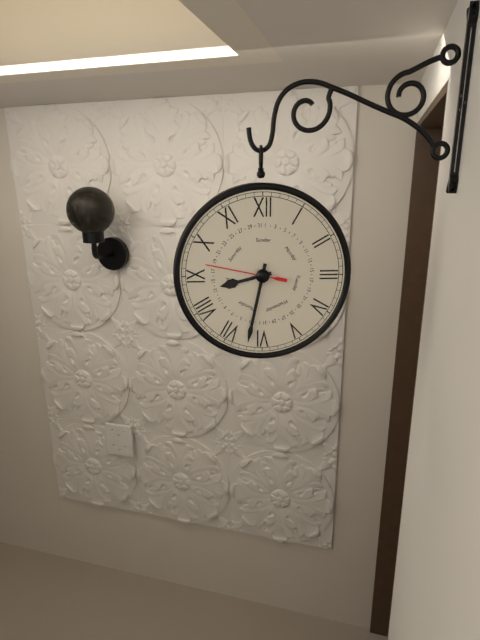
8.32.47
